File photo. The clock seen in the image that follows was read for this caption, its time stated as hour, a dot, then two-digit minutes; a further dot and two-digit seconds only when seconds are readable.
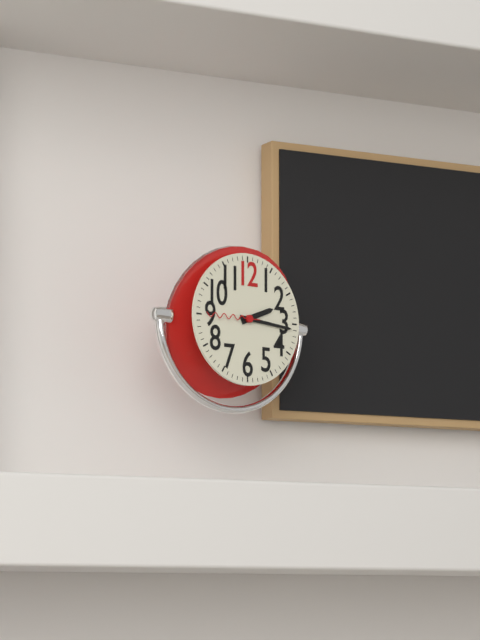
2.16.45
